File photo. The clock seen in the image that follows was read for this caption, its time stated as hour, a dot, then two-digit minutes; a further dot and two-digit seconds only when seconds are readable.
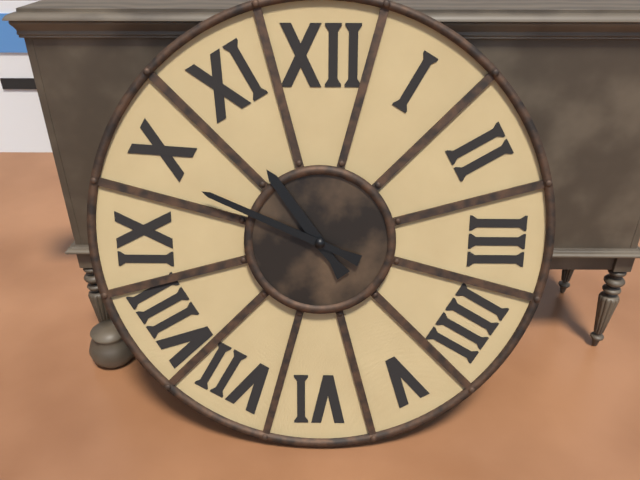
10.49
